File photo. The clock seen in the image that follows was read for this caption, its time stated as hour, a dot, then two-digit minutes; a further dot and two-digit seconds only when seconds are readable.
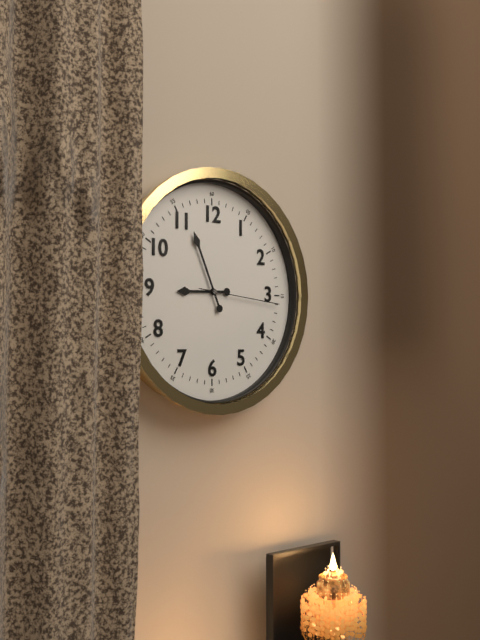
8.56.16
